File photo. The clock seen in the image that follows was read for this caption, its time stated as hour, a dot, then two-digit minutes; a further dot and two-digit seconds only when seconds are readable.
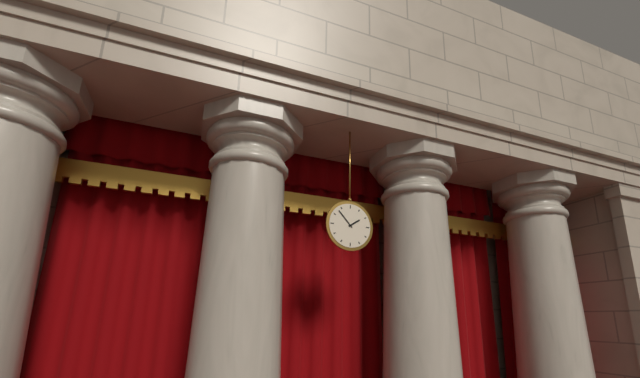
1.53
